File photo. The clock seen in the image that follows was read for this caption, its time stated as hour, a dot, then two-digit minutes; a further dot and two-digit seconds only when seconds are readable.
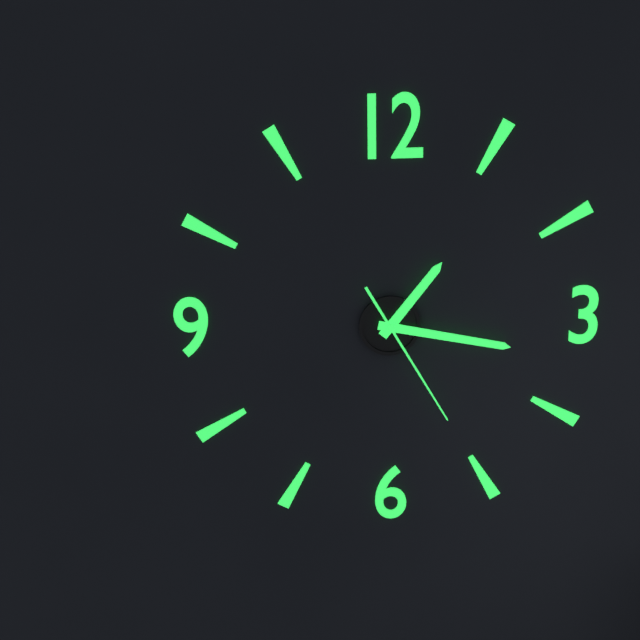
1.17.25
